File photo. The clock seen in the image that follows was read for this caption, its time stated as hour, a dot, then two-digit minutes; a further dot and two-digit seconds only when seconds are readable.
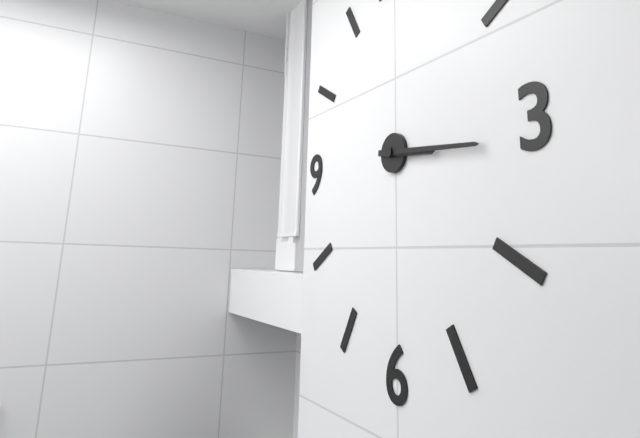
3.16
